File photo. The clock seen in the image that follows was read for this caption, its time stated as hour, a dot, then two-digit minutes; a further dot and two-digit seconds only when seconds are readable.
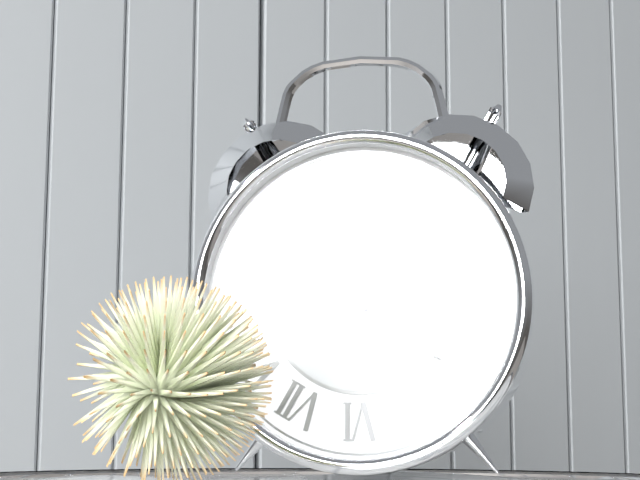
3.54.21
